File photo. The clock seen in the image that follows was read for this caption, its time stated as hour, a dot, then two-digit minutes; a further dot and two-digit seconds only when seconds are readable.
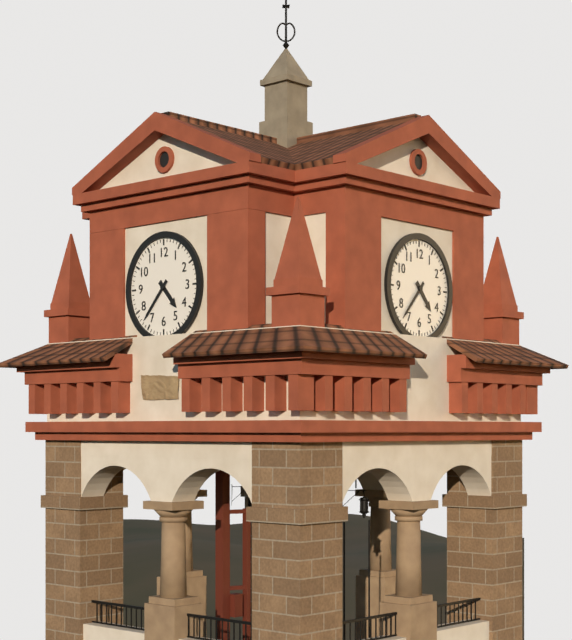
4.37
